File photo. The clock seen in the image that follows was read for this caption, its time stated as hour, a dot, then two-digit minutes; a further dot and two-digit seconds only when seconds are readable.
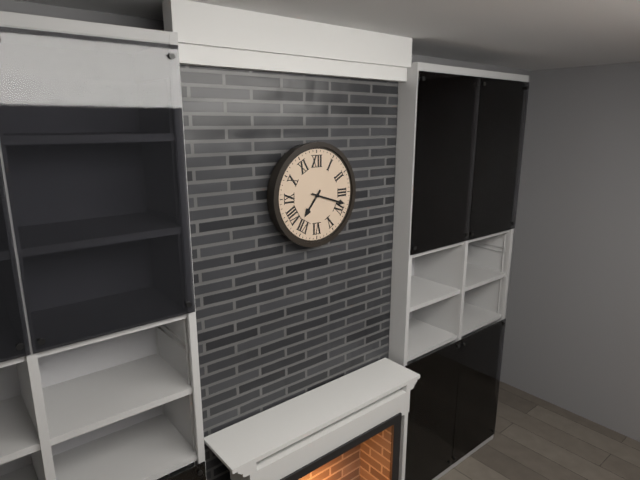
7.18
